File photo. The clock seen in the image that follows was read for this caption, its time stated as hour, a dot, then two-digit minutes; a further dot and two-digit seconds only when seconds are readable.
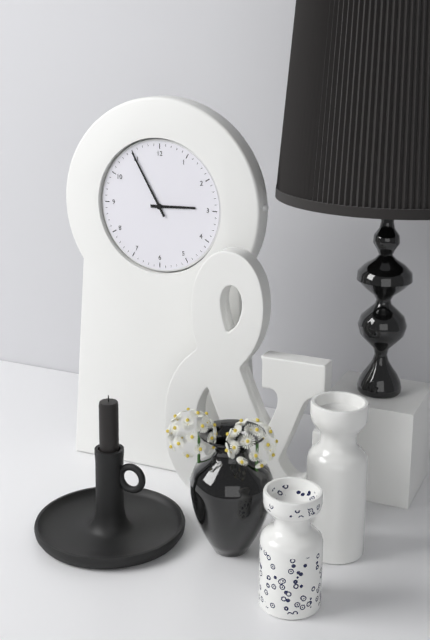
2.55
